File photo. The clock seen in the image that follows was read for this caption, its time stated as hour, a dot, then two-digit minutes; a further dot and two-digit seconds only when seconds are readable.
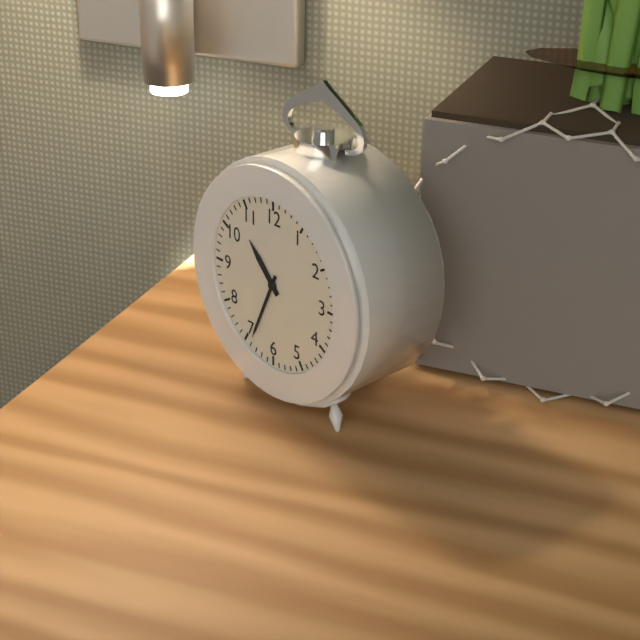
10.34
